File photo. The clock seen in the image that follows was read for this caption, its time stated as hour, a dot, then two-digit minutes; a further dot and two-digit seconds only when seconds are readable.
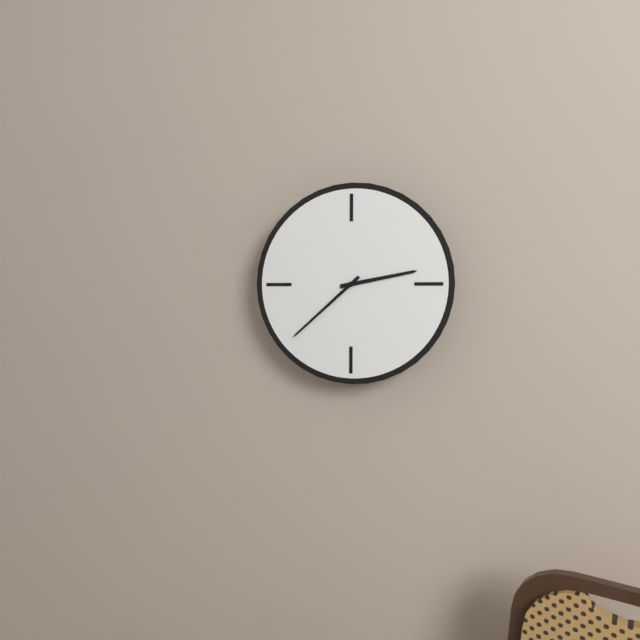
2.38
